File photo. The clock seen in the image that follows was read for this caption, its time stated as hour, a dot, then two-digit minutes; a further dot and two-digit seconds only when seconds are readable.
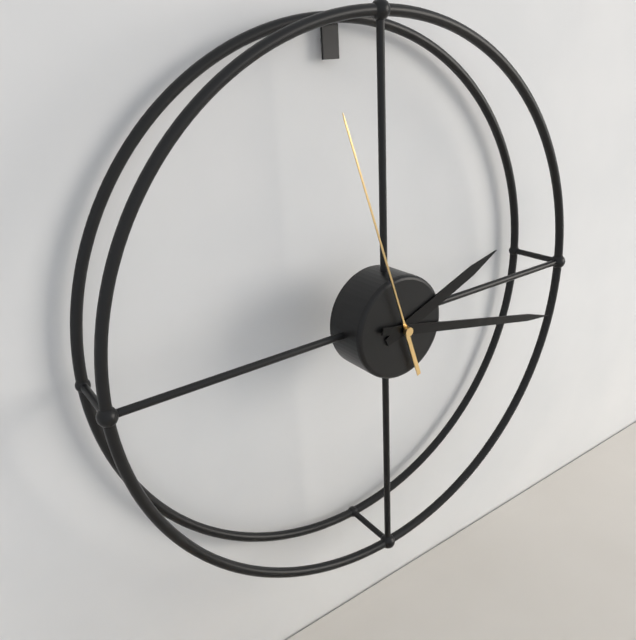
2.17.57
